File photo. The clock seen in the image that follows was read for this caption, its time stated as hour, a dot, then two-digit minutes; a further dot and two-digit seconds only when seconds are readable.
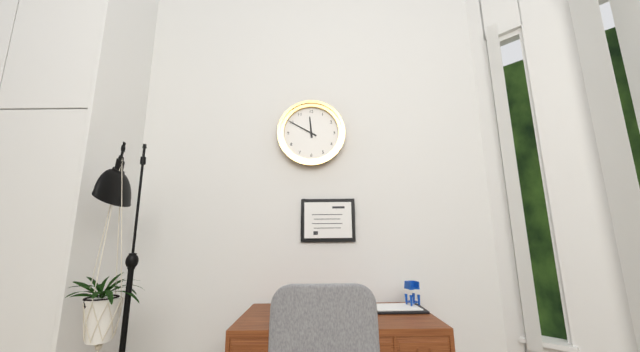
11.50
